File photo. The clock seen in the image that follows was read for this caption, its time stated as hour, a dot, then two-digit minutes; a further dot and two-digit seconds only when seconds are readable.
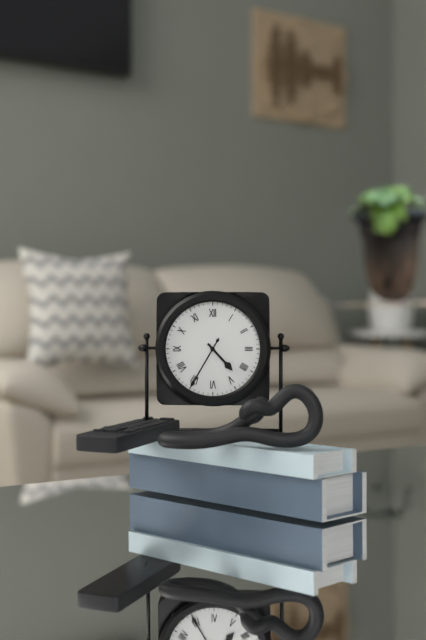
4.35
